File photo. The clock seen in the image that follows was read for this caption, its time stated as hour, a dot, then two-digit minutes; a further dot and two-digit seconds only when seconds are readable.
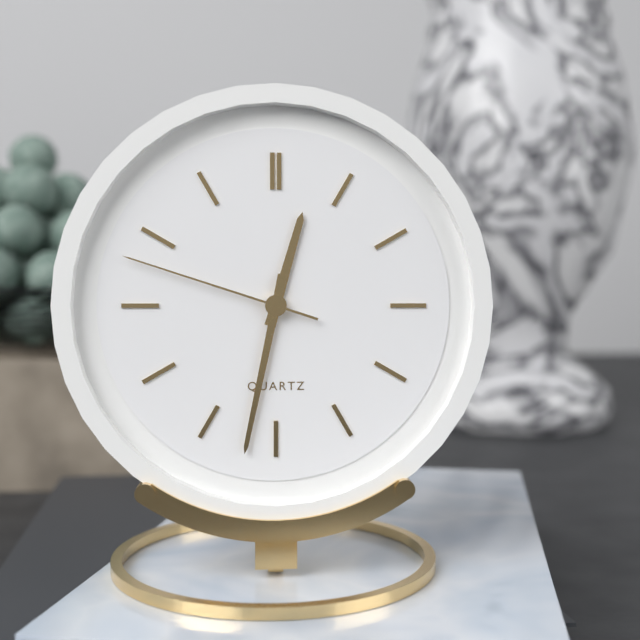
12.32.48
